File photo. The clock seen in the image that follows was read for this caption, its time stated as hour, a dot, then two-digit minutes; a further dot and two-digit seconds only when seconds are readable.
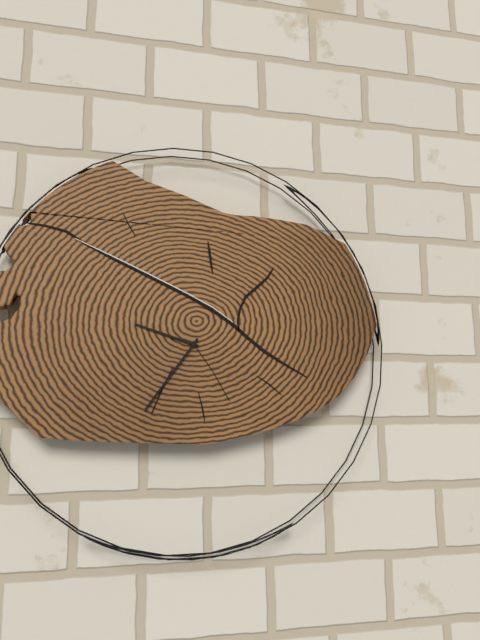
9.36
